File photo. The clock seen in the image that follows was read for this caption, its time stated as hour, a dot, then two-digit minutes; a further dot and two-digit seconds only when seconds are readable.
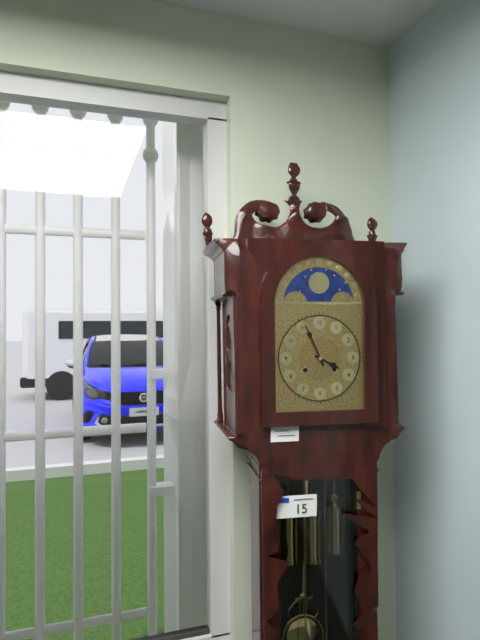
3.56
